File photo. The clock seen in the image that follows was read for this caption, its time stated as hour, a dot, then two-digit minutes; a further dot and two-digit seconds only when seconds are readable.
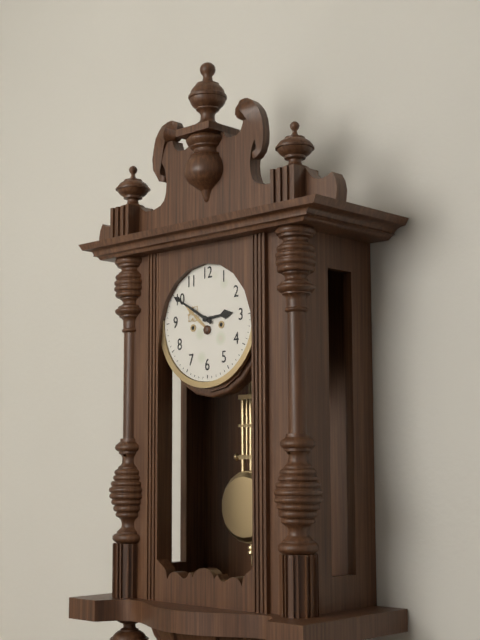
2.50
